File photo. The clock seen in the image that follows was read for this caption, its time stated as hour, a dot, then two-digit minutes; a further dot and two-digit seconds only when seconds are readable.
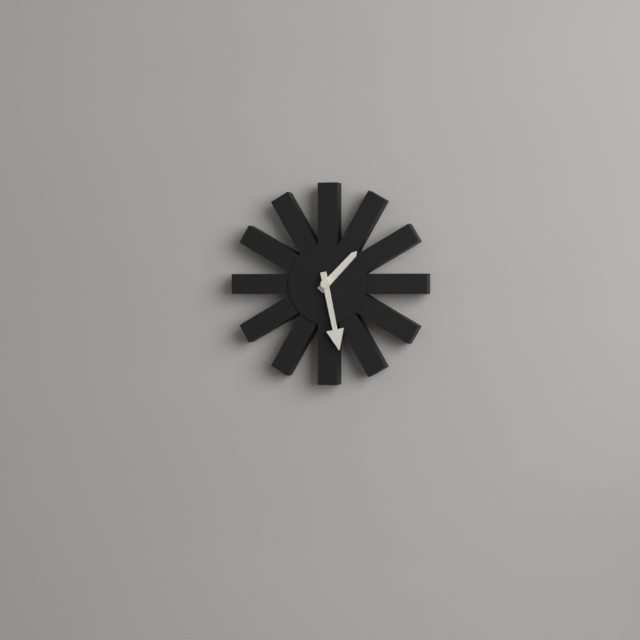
1.28
